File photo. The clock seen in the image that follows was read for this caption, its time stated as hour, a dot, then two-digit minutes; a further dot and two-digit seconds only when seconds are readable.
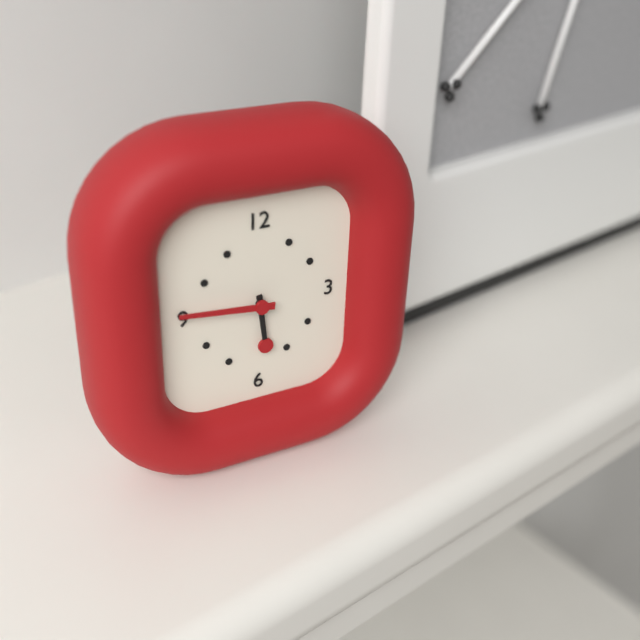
5.46
